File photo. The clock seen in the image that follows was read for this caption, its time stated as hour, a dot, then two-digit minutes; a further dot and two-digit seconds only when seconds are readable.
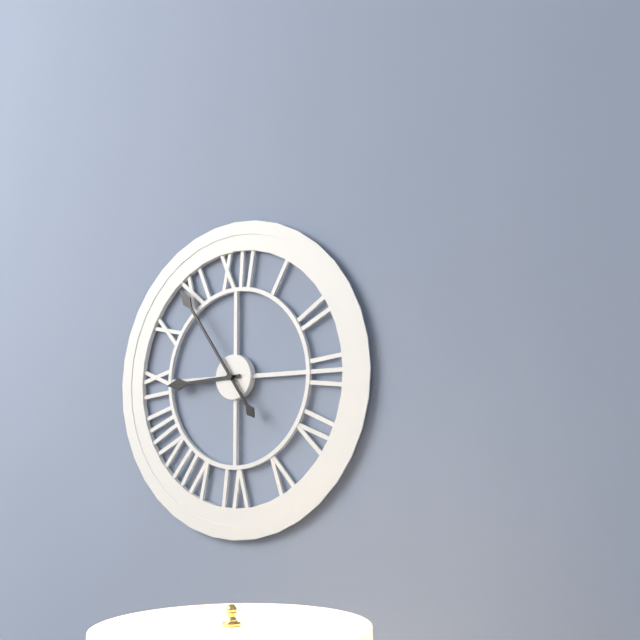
8.54
